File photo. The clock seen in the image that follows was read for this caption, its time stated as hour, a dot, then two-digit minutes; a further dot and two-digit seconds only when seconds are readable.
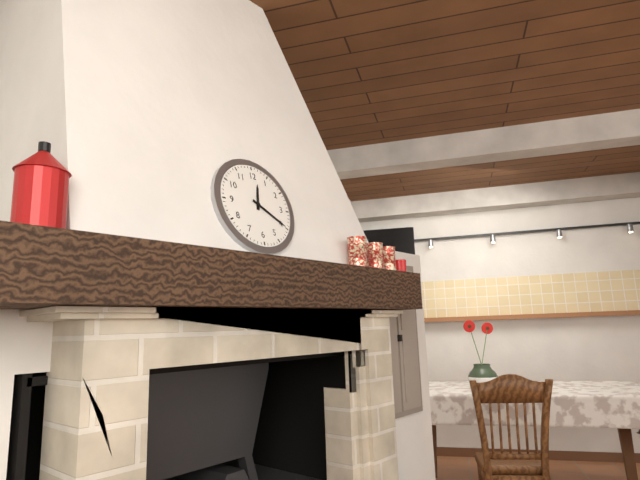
12.20
